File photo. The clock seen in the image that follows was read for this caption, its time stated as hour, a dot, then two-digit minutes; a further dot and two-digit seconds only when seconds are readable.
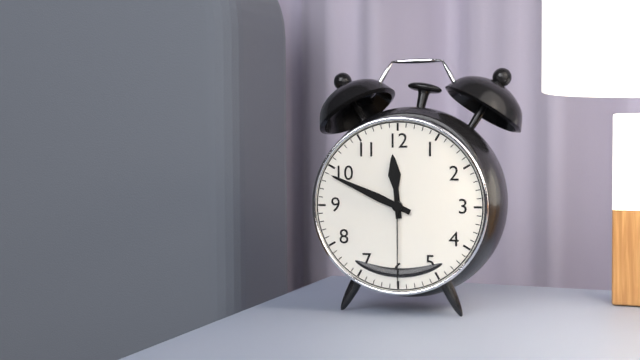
11.49.30
